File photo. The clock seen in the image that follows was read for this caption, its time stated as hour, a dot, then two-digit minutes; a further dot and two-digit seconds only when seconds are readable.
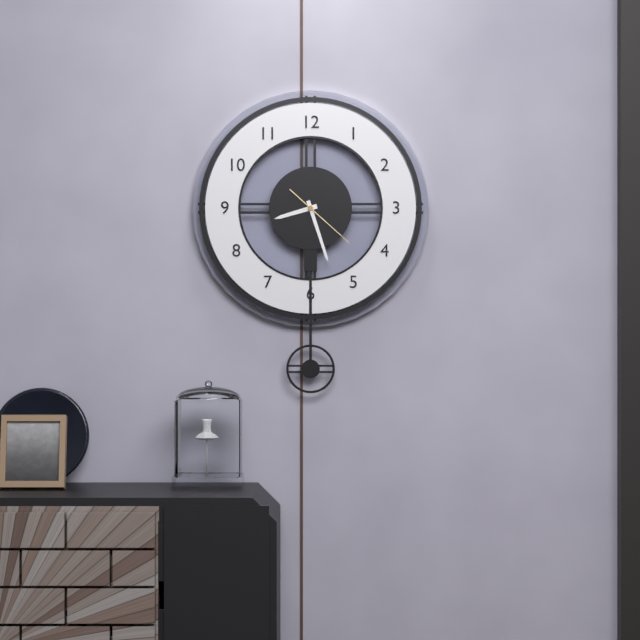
8.27.22
